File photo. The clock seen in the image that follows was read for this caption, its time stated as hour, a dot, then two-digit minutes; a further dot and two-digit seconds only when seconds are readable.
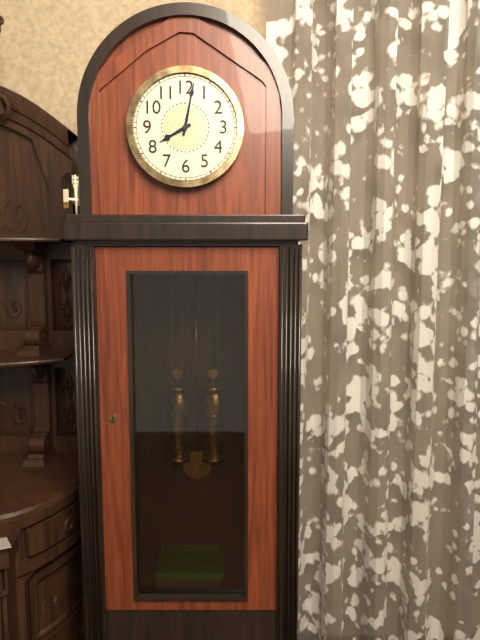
8.02
